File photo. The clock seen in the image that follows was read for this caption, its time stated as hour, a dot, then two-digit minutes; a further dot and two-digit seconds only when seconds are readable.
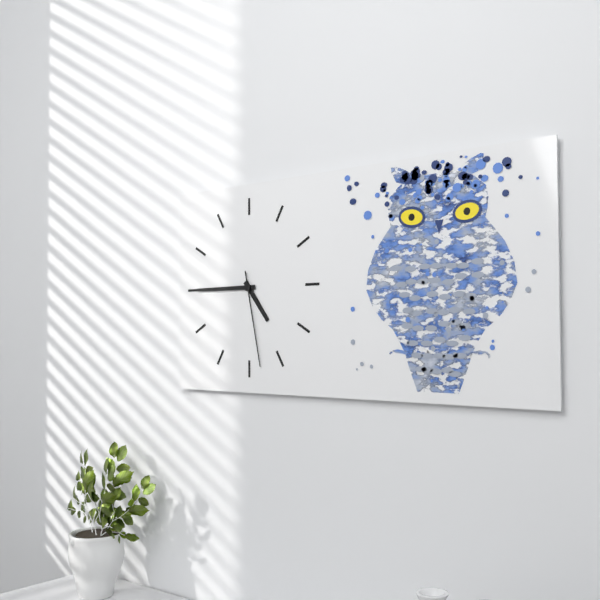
4.45.28
